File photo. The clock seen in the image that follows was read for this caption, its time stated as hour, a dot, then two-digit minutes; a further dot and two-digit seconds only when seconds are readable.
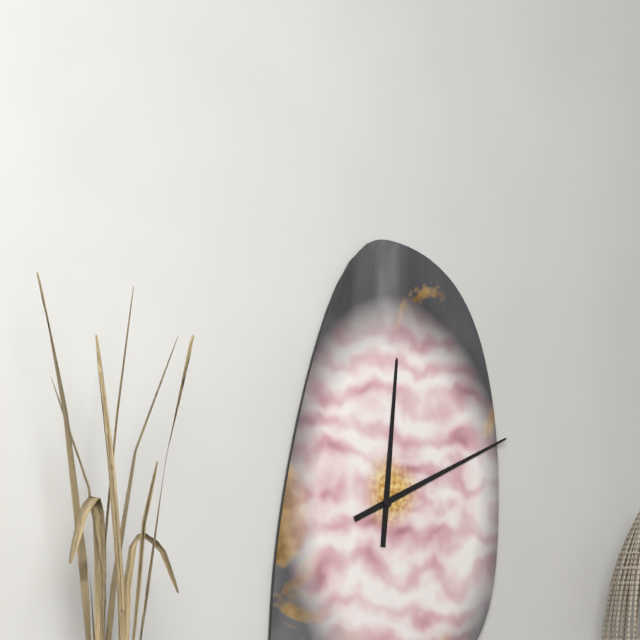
12.11
